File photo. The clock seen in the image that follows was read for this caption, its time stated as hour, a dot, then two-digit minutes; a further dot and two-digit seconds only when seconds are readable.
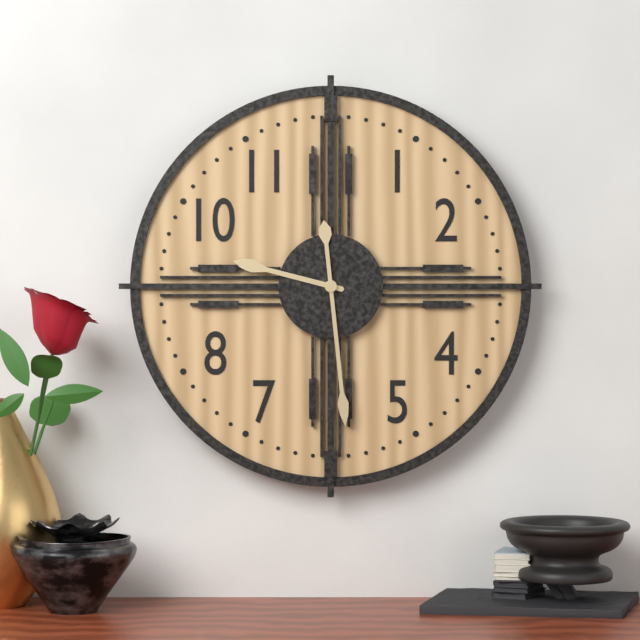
9.29
